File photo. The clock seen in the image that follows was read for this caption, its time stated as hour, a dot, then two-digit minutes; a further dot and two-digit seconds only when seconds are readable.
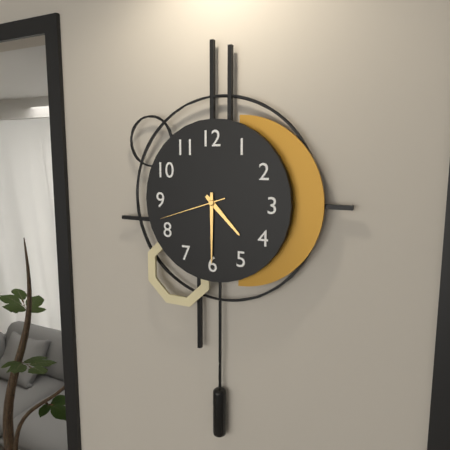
4.30.42
